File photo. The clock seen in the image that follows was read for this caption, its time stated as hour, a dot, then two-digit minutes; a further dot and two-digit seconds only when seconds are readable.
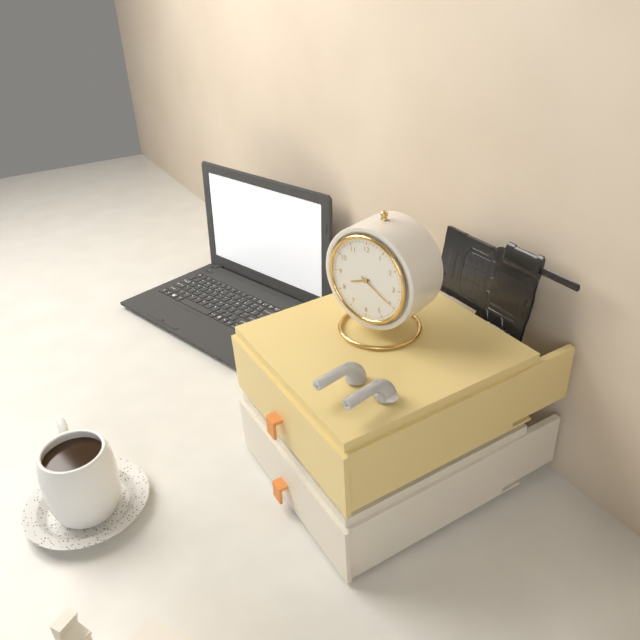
8.20
